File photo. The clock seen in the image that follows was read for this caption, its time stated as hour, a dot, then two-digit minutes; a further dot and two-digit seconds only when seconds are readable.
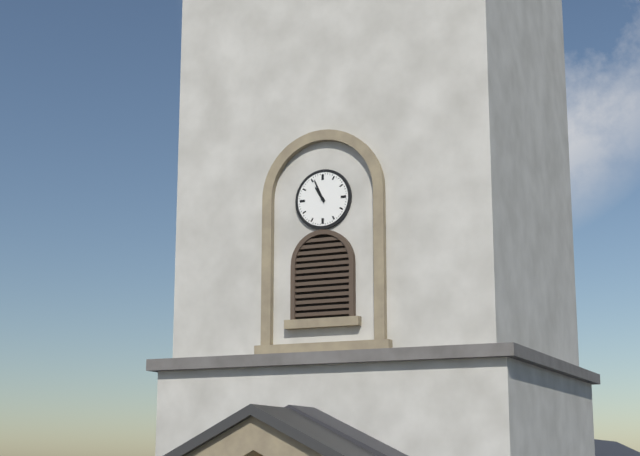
10.56
